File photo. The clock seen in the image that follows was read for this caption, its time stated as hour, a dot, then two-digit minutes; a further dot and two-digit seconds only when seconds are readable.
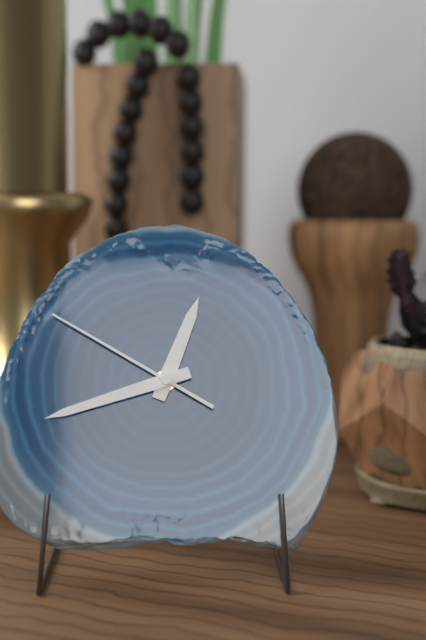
12.42.50
